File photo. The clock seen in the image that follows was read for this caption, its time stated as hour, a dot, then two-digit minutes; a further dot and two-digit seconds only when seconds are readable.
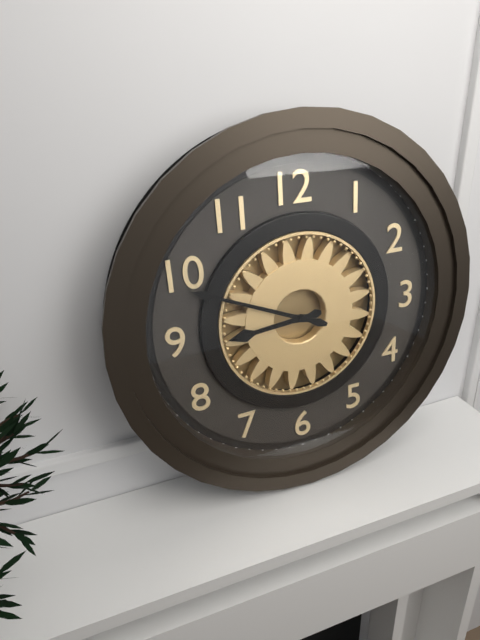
8.49
